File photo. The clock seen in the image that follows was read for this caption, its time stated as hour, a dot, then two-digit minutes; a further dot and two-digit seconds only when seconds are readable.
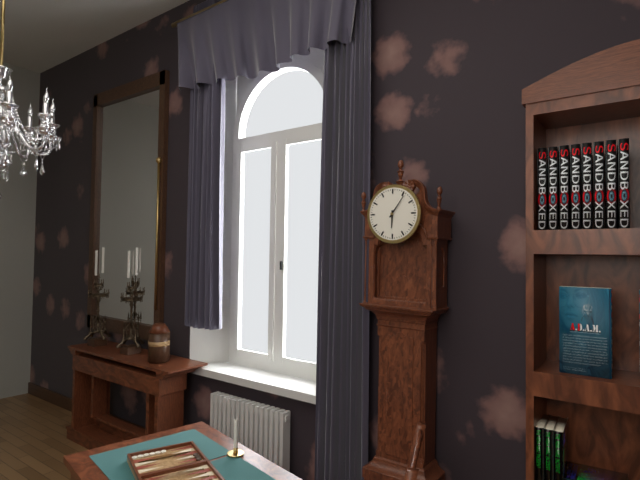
6.06
